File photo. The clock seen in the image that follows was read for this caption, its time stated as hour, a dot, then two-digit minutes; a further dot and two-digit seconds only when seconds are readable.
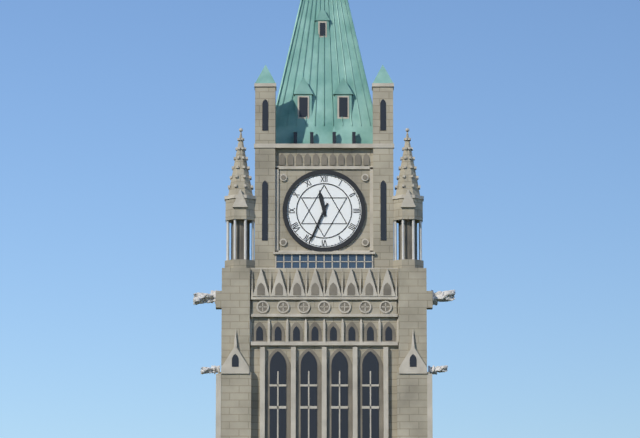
11.34
